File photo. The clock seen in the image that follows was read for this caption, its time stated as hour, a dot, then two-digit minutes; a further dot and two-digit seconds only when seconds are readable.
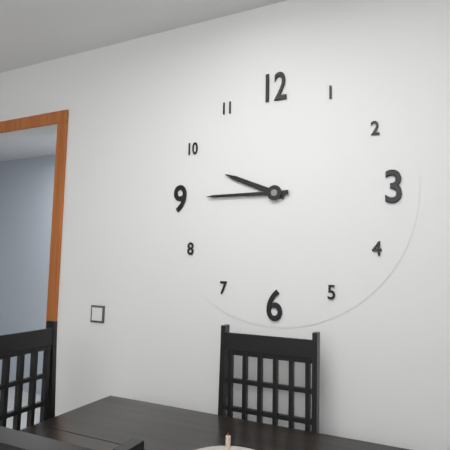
9.45
